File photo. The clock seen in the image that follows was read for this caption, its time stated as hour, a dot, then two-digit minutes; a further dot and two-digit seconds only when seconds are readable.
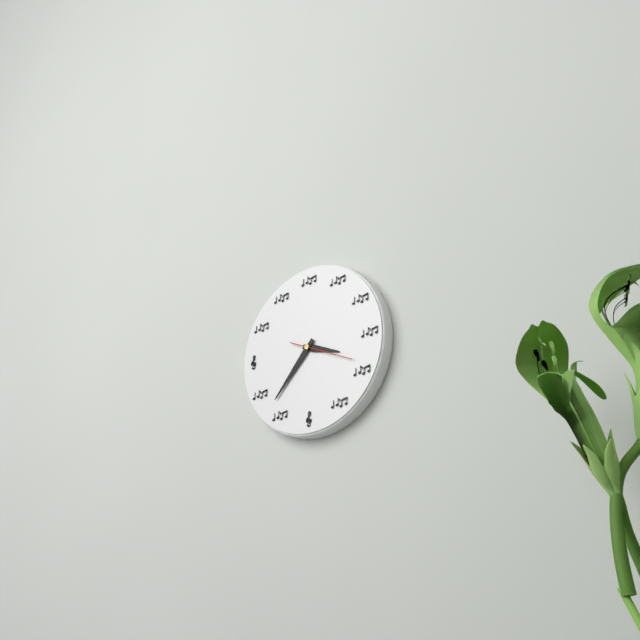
3.37.19
